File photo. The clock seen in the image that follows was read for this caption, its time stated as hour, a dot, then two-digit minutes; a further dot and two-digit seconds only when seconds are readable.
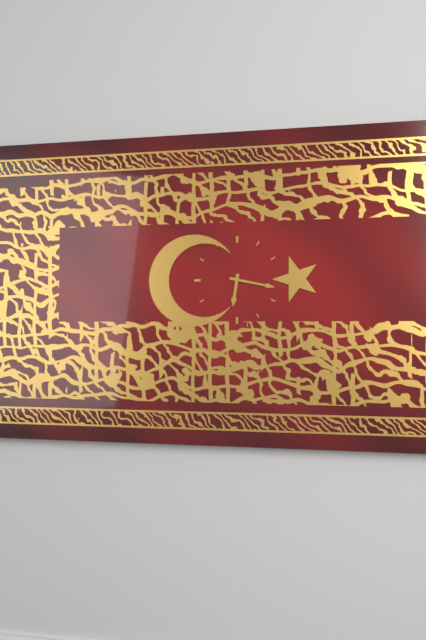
6.17
